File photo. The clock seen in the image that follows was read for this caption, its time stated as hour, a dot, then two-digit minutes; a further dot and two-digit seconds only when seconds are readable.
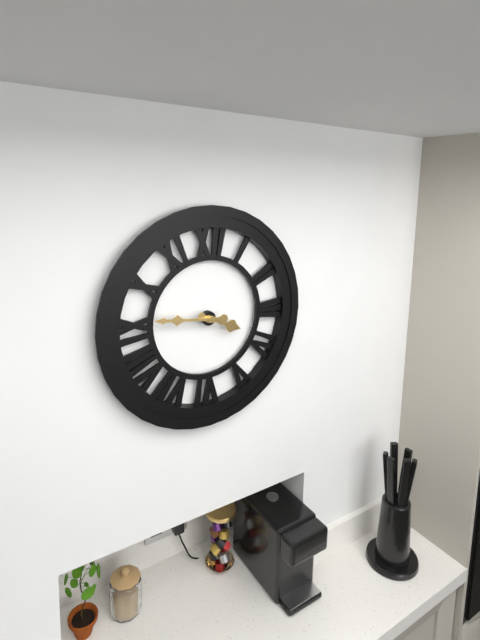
3.46
